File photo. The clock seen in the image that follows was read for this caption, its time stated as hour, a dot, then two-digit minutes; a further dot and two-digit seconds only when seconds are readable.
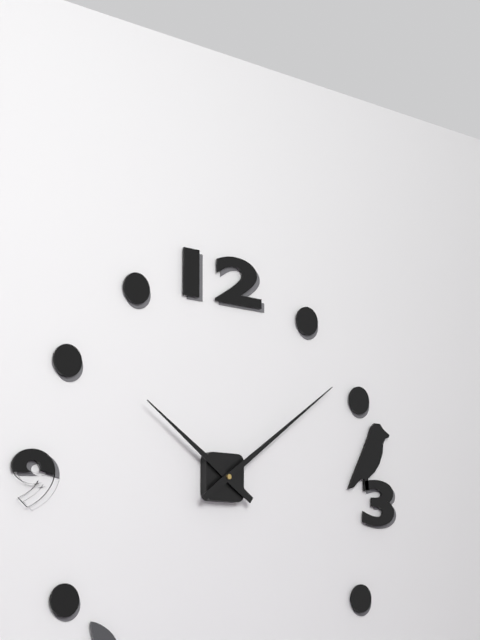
10.09
